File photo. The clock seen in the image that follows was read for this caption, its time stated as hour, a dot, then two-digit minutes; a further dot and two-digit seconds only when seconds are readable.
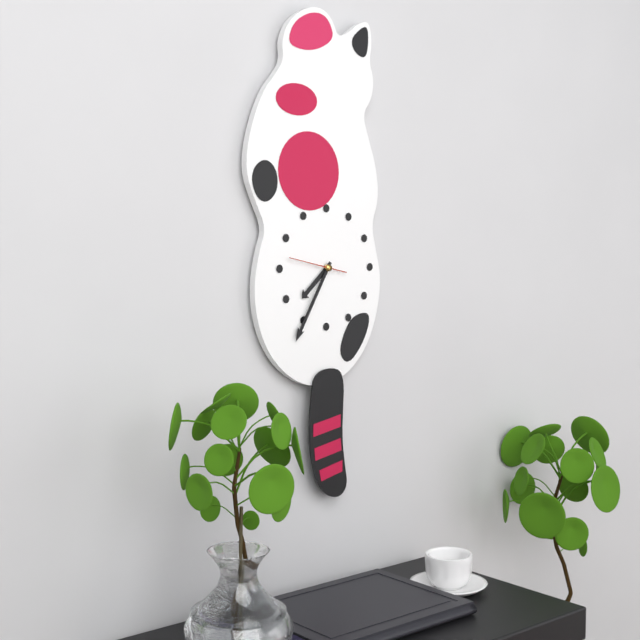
7.35
